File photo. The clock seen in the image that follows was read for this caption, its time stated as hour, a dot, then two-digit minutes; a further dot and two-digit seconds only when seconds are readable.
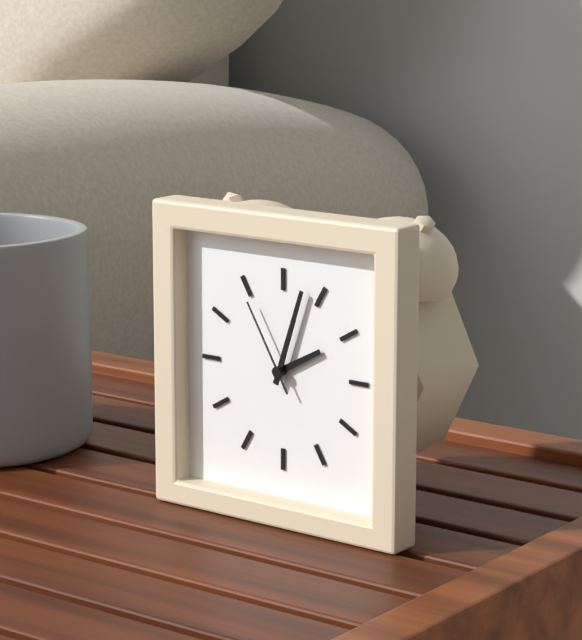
2.03.55
